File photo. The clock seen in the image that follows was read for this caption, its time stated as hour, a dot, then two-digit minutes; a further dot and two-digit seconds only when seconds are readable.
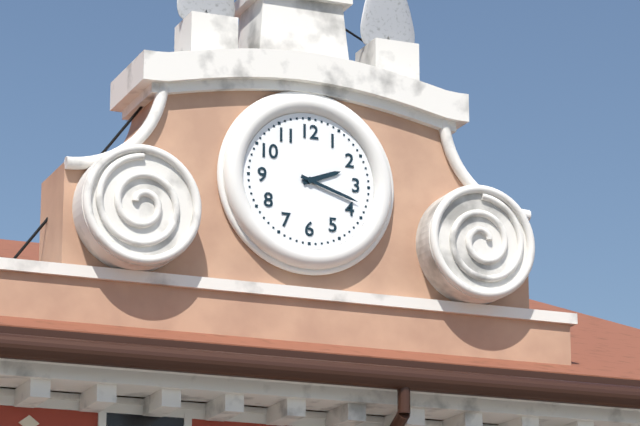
2.18
